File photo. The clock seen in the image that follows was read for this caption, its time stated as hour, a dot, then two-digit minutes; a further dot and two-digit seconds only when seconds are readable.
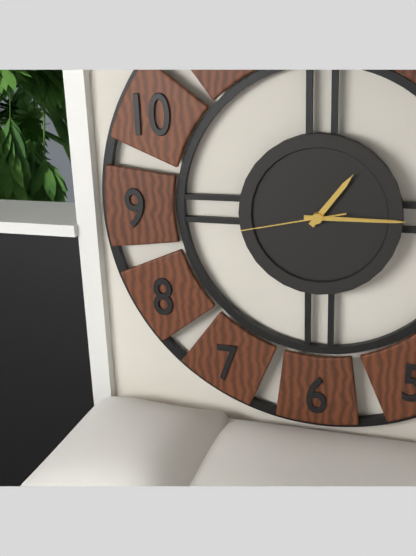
1.15.43
